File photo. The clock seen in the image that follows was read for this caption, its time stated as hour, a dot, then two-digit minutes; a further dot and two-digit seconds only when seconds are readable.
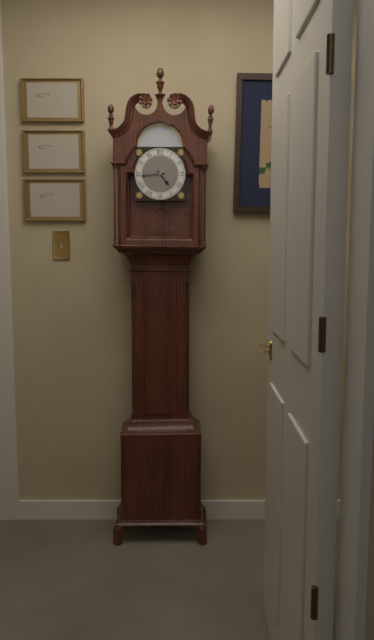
4.44
